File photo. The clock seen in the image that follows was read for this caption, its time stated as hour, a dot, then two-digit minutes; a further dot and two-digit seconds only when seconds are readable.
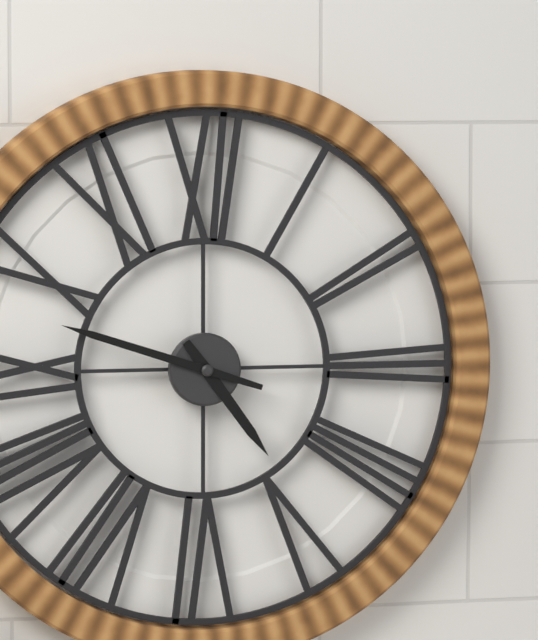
4.48
